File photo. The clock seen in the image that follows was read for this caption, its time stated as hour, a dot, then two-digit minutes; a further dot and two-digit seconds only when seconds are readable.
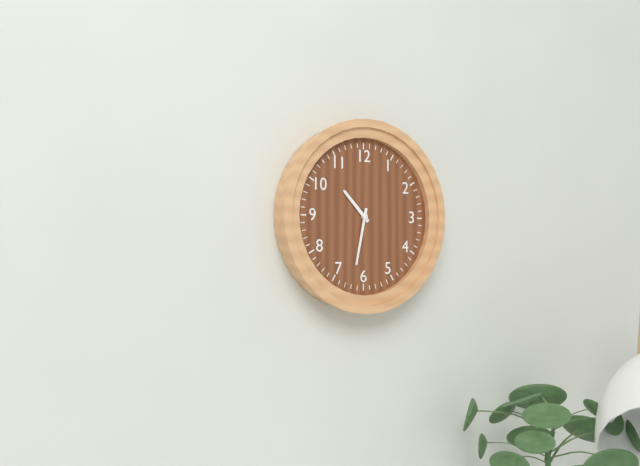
10.32
